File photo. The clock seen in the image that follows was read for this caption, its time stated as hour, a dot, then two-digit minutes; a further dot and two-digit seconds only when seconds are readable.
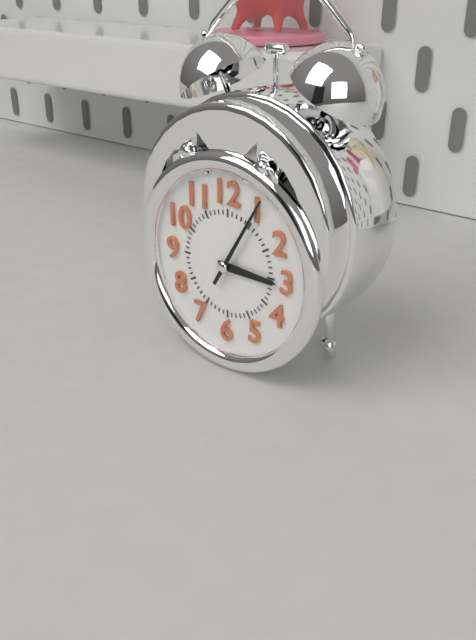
3.05
